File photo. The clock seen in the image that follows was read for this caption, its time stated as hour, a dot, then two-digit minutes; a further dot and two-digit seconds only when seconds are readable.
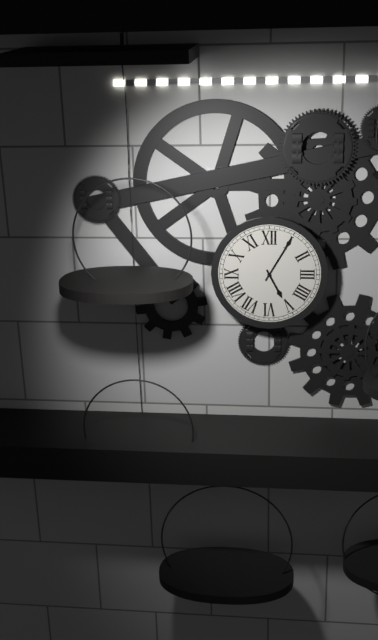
5.05
